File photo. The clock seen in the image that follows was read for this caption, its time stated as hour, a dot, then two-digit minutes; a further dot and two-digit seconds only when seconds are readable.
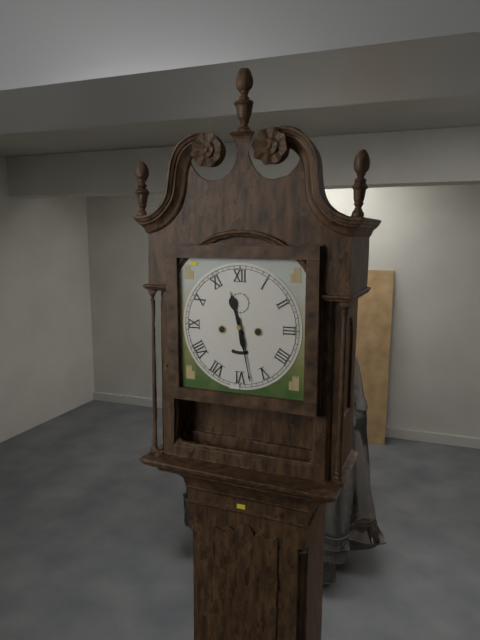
11.28
